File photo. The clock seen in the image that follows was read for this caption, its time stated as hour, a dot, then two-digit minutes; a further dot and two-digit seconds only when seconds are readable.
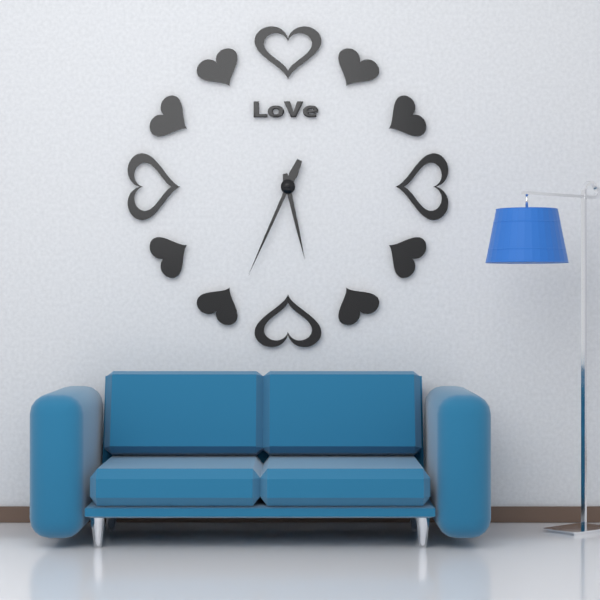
5.34
